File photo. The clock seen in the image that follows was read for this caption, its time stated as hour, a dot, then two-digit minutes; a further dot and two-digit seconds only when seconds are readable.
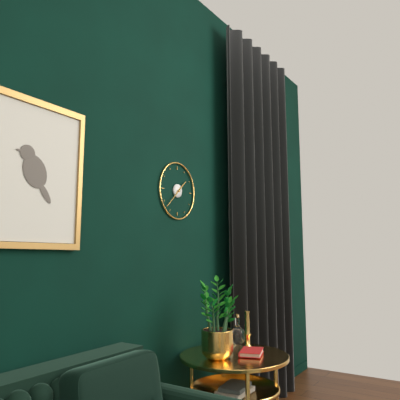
1.38
